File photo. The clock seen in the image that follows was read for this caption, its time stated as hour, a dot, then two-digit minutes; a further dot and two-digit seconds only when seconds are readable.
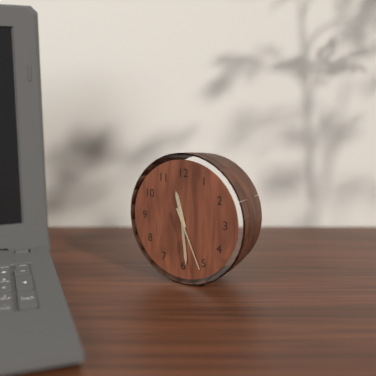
11.29.26
